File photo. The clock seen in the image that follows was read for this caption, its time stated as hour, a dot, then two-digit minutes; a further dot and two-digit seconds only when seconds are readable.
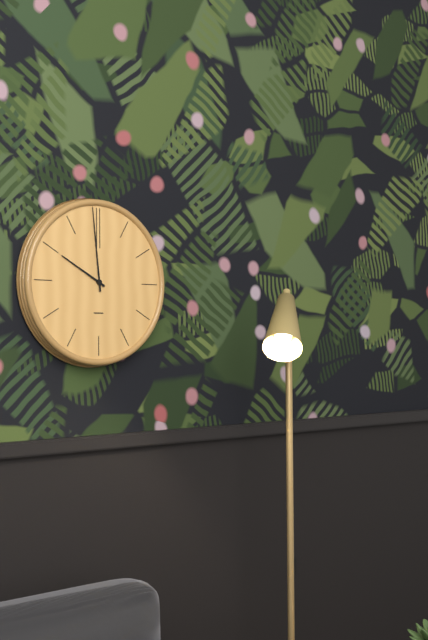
9.59
